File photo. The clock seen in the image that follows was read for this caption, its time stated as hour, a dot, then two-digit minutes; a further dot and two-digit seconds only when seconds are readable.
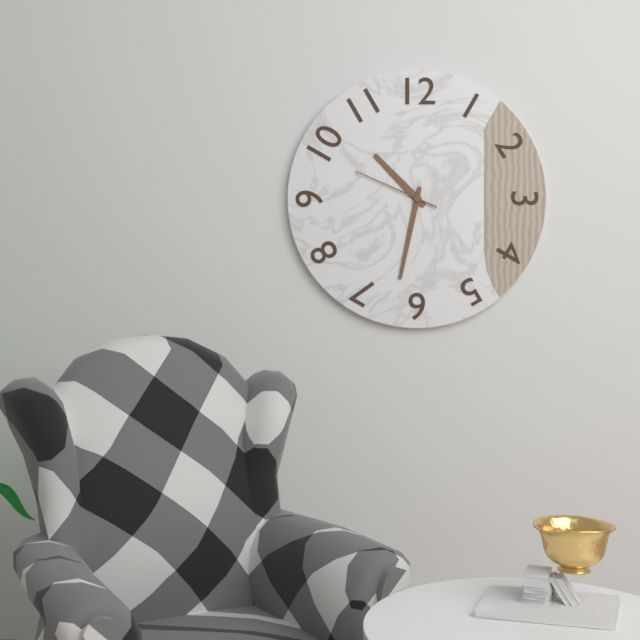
10.32.49
